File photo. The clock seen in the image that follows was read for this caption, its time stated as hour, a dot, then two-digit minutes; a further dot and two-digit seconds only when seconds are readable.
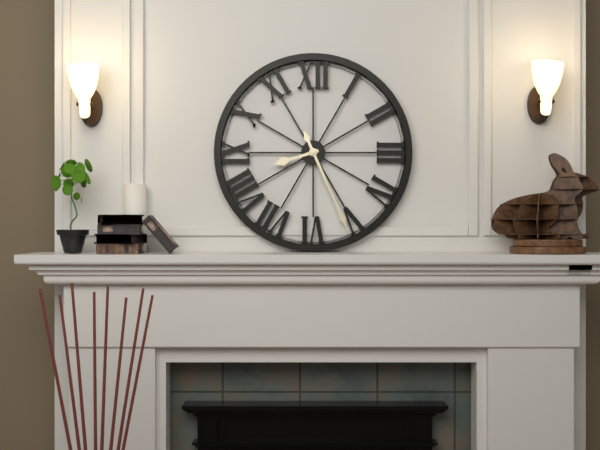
8.26
